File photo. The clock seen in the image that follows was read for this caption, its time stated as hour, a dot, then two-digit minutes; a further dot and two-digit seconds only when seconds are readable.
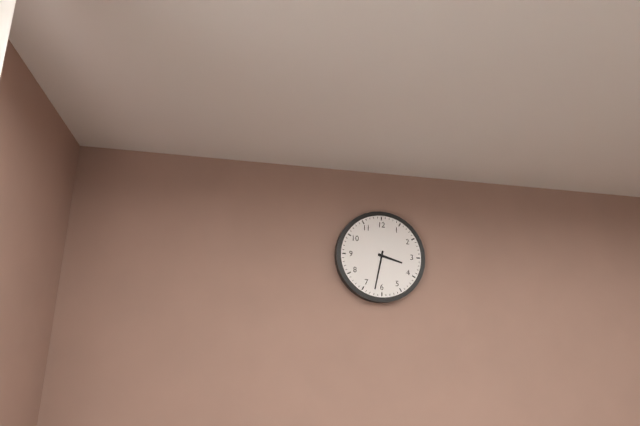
3.32
